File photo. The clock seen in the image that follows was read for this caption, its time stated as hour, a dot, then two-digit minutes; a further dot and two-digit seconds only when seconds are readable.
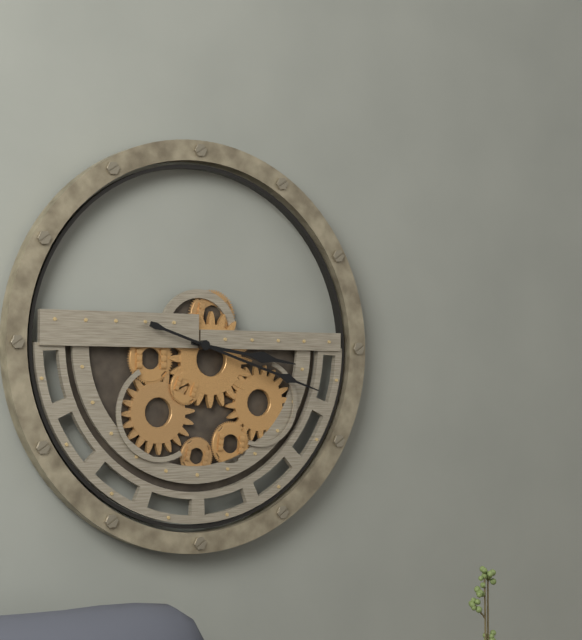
3.18
